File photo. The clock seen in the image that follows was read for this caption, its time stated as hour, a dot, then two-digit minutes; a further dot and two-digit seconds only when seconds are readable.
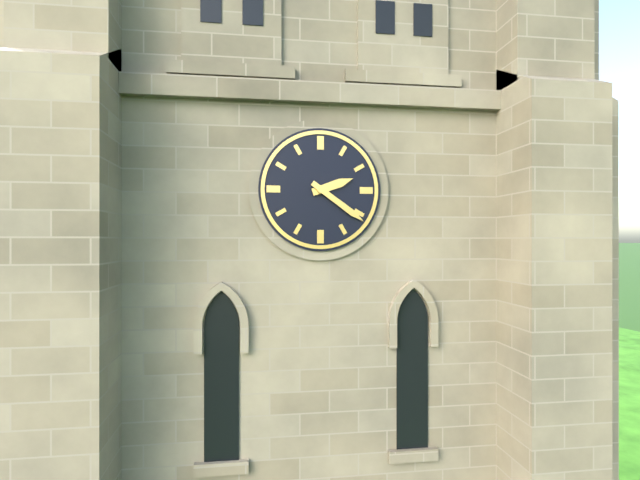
2.21
